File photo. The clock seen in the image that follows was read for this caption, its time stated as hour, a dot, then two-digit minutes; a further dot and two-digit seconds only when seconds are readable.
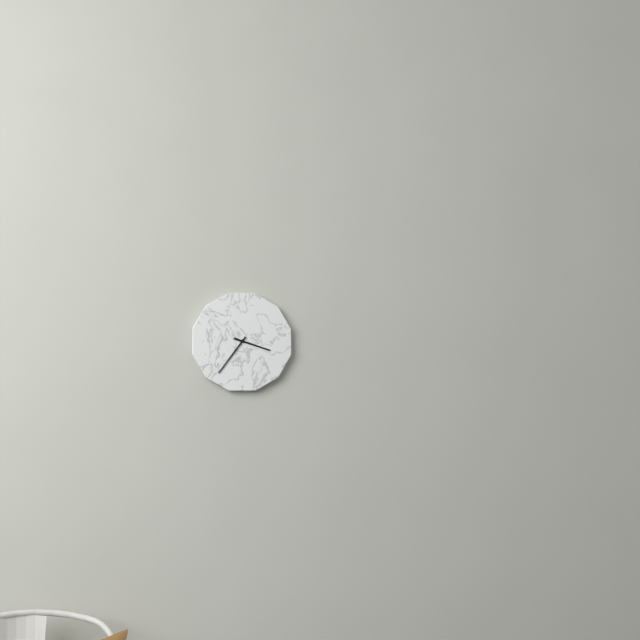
3.36
